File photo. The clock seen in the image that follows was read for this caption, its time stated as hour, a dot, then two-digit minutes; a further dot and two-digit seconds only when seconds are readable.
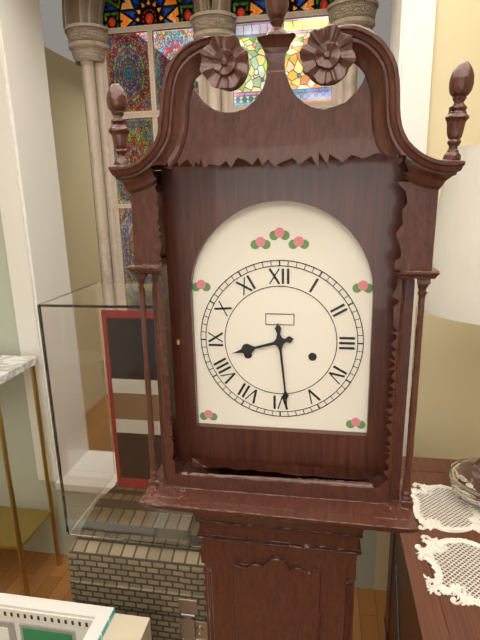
8.29
